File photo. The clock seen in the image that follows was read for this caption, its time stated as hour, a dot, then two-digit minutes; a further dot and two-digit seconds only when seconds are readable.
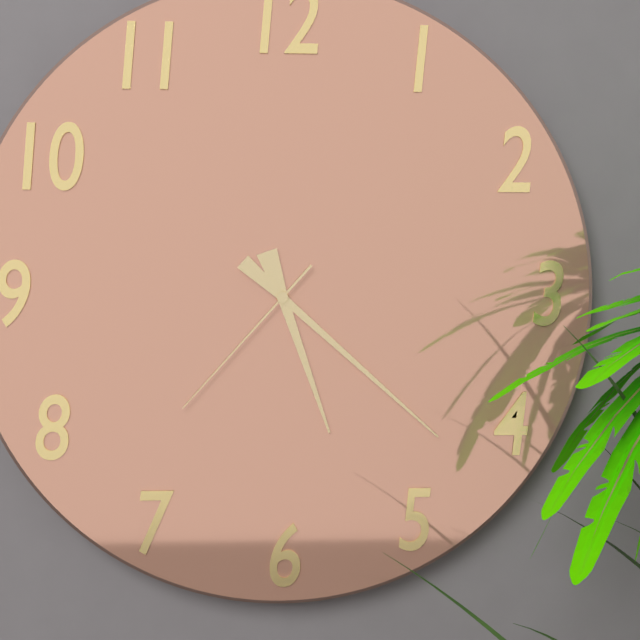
5.22.37
